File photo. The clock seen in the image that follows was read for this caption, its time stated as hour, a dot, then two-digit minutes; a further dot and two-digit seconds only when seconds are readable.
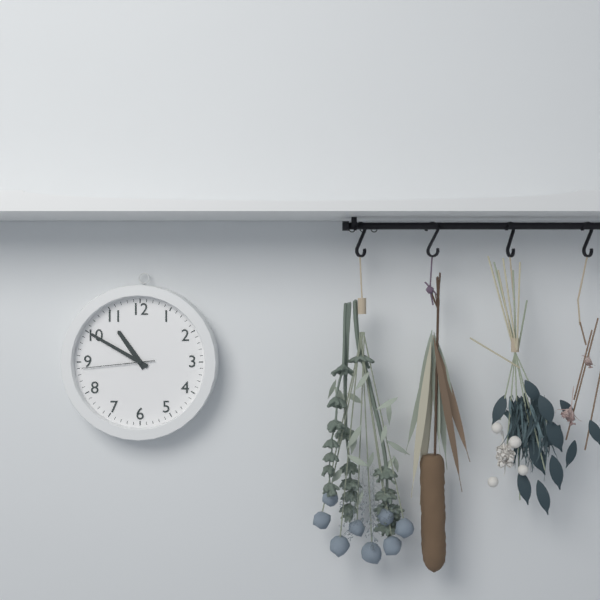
10.50.44
